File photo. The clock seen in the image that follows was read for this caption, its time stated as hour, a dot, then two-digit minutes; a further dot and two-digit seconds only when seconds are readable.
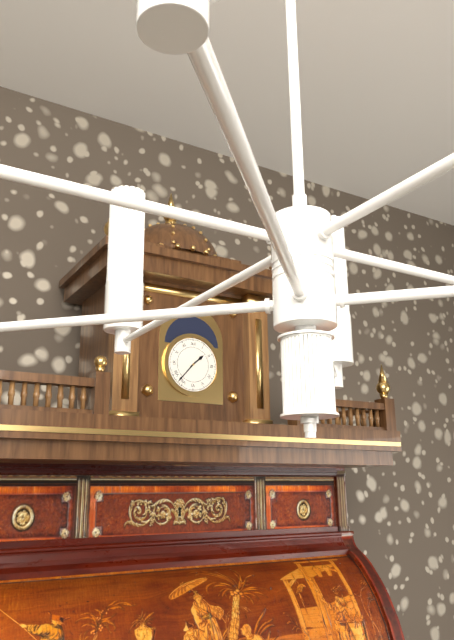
1.37
